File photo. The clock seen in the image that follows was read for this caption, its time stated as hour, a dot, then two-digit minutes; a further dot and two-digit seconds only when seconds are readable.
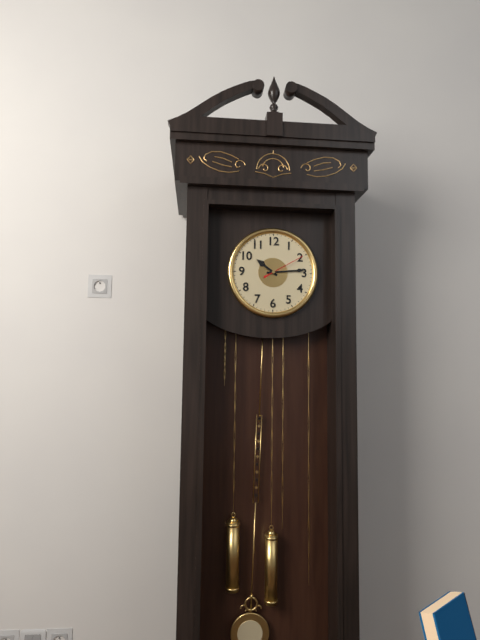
10.14
